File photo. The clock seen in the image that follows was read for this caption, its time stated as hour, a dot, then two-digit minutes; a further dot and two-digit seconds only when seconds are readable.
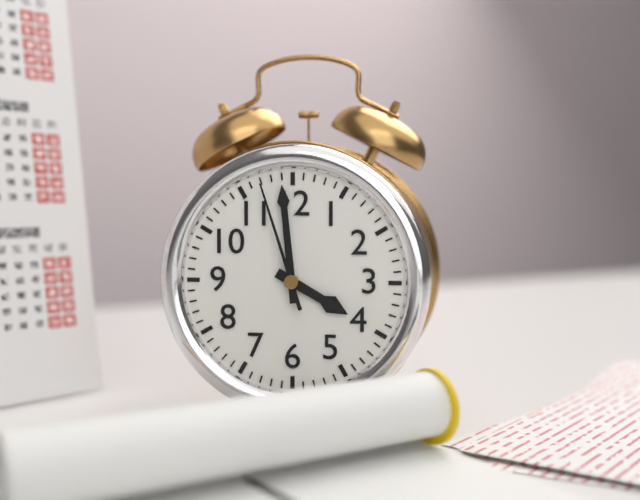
3.59.57
